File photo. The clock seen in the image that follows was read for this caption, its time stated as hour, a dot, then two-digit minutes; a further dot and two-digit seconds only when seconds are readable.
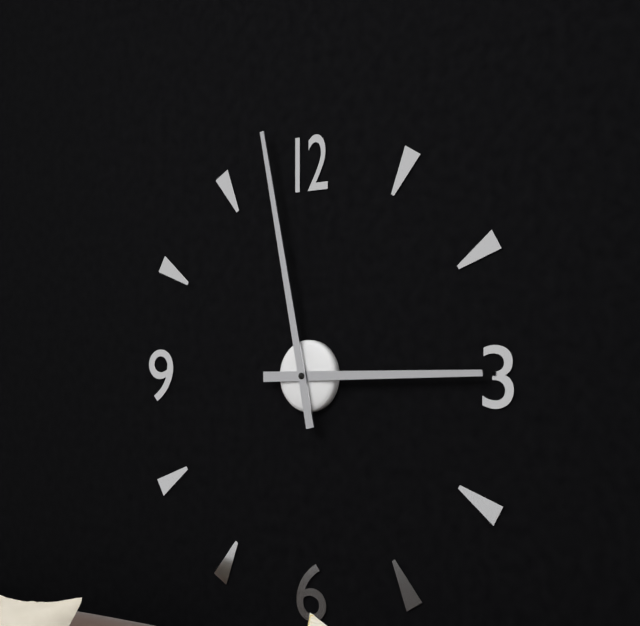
2.58
